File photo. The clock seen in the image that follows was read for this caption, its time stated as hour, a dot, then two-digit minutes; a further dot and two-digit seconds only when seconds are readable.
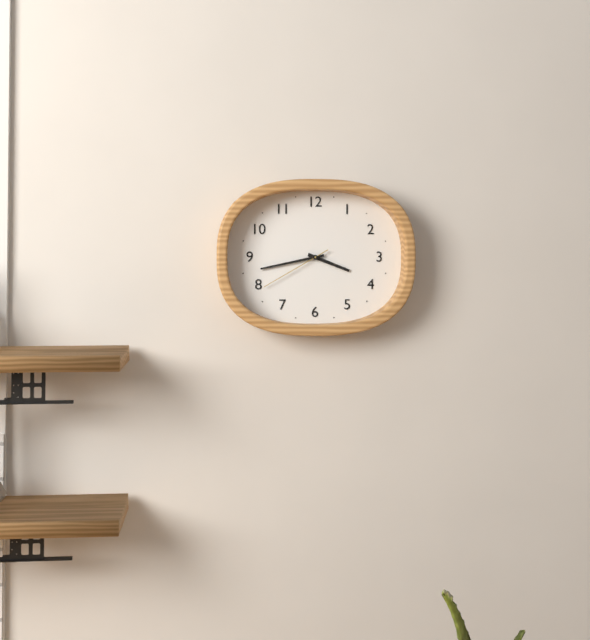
3.43.40
